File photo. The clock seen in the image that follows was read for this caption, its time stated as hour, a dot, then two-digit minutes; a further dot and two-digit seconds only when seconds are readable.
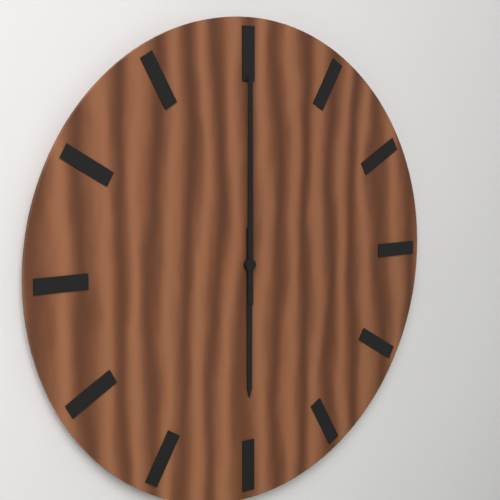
6.00
